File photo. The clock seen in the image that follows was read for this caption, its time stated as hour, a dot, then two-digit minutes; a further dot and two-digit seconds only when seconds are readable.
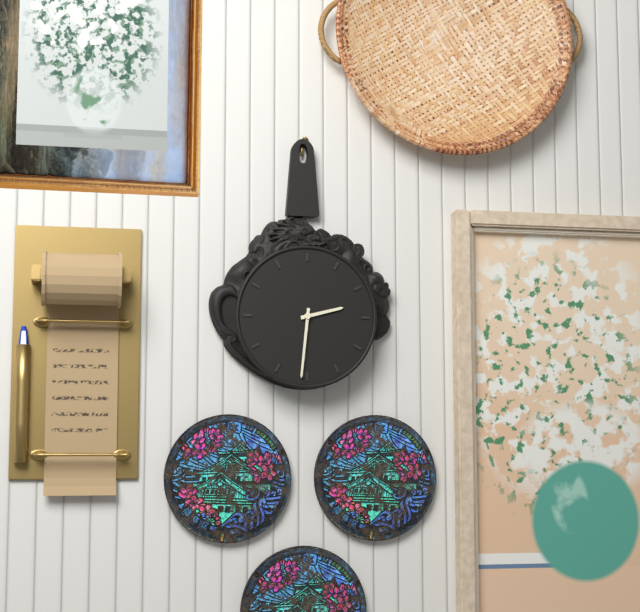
2.31
